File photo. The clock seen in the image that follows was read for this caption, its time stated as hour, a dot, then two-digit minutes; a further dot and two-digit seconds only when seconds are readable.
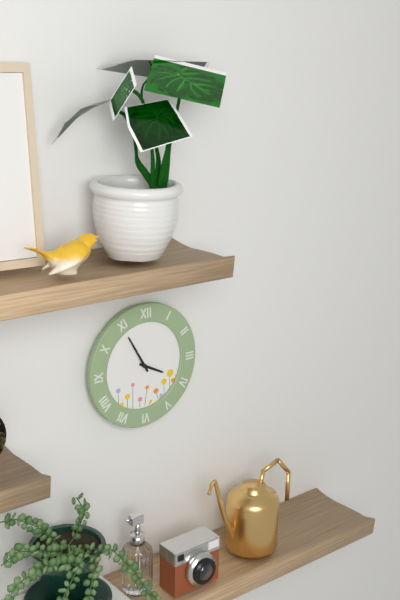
3.55
